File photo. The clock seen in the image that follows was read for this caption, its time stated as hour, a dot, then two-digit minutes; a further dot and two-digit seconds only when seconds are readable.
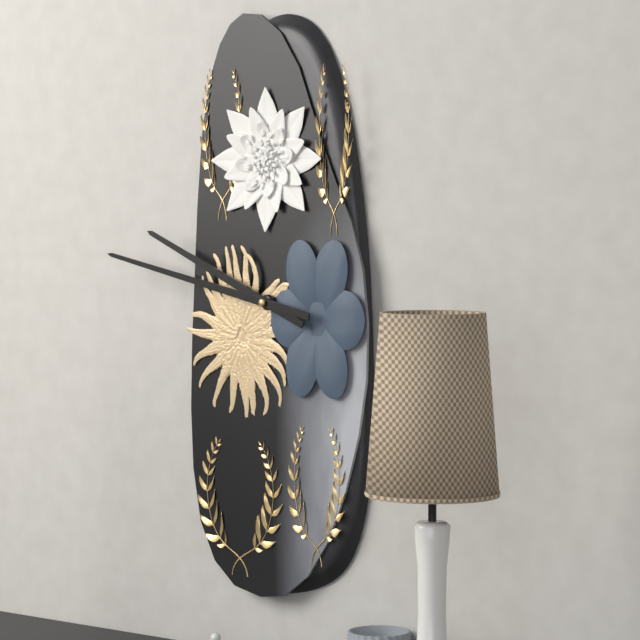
9.47
